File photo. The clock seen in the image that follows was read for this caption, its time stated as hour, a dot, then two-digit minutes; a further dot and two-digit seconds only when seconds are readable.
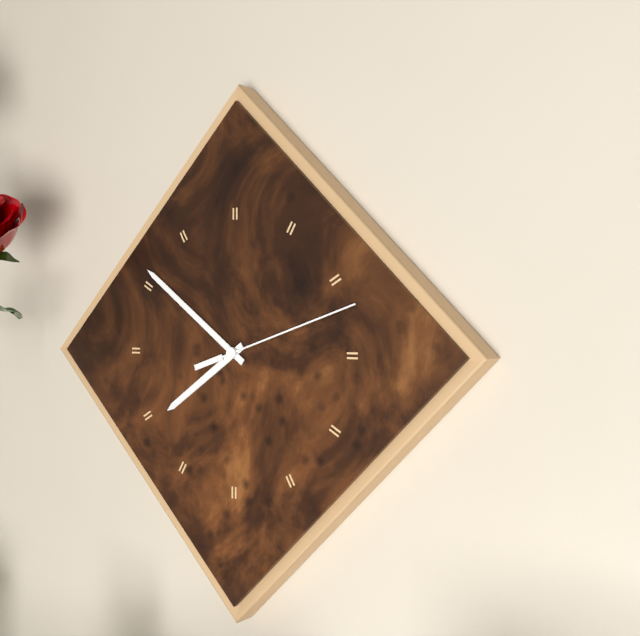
7.51.12
